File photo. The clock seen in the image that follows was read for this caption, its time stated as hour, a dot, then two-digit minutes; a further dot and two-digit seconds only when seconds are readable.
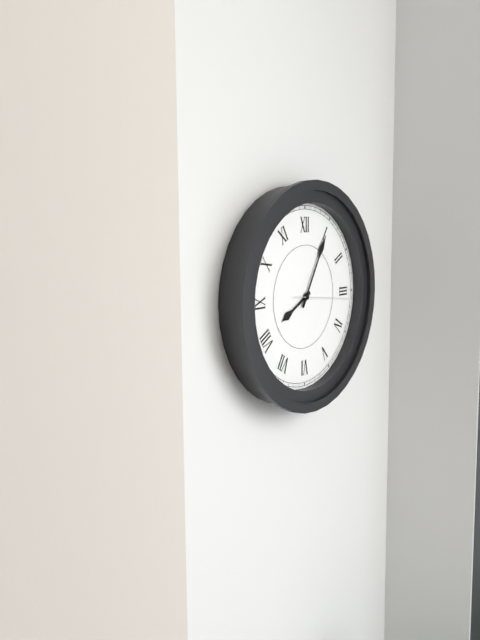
8.05.16
